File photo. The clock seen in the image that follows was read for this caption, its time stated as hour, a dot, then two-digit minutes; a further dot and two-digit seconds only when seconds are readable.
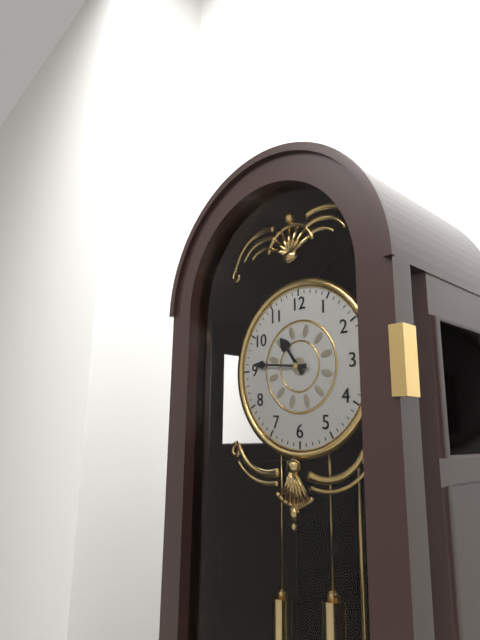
10.46
